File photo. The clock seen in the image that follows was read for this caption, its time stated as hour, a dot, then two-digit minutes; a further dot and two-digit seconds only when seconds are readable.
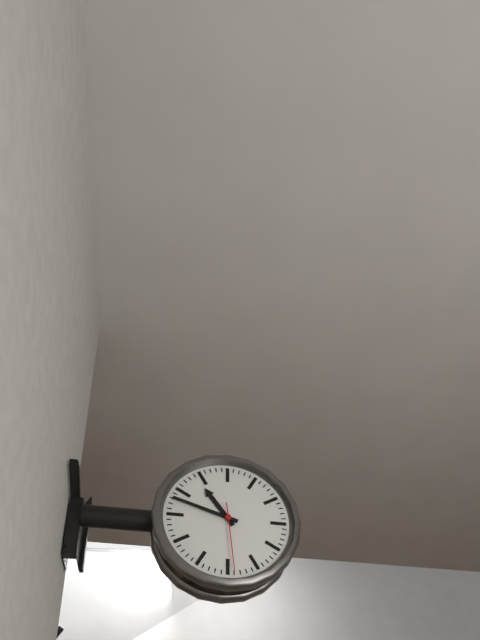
10.48.29
